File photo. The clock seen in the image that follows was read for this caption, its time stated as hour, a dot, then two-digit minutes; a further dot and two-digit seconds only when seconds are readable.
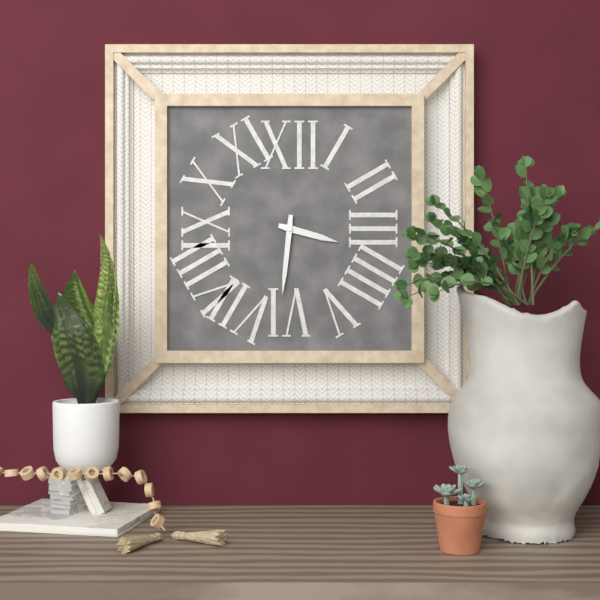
3.31
